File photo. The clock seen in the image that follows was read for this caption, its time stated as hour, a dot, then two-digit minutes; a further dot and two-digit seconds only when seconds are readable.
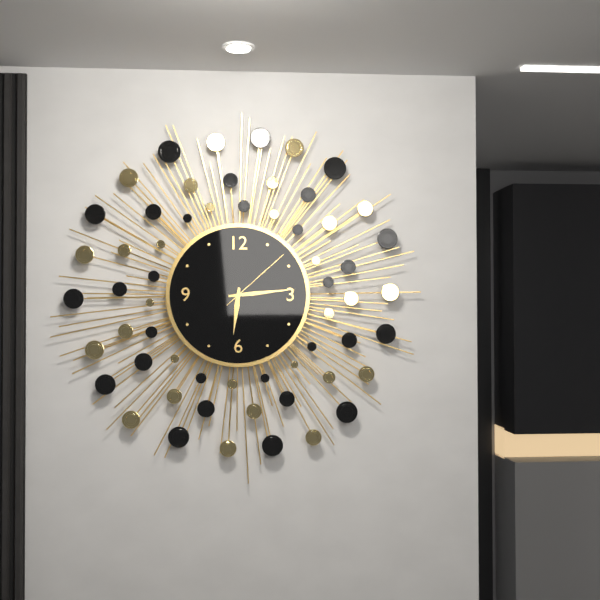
6.14.08
